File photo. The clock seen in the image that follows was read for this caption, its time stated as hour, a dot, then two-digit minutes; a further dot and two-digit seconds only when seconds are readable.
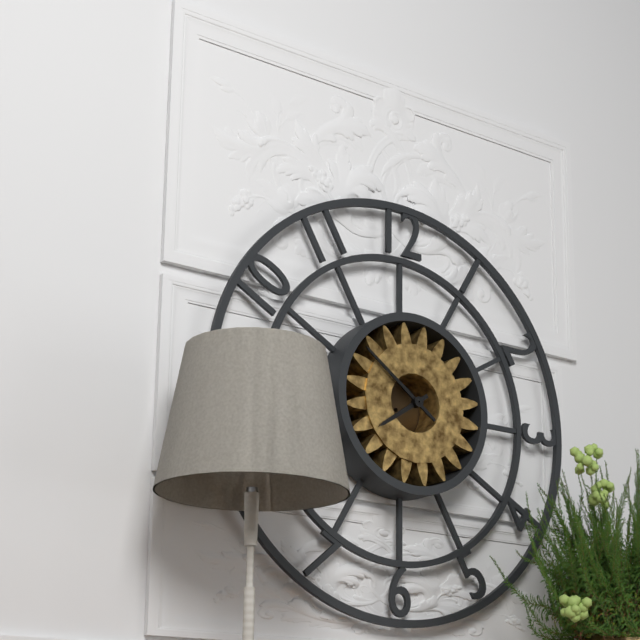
7.51
